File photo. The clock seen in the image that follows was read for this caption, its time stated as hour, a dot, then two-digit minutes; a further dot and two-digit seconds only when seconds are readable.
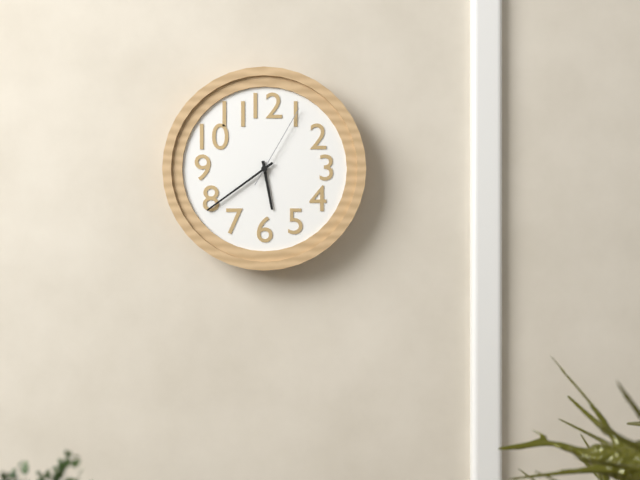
5.39.05
